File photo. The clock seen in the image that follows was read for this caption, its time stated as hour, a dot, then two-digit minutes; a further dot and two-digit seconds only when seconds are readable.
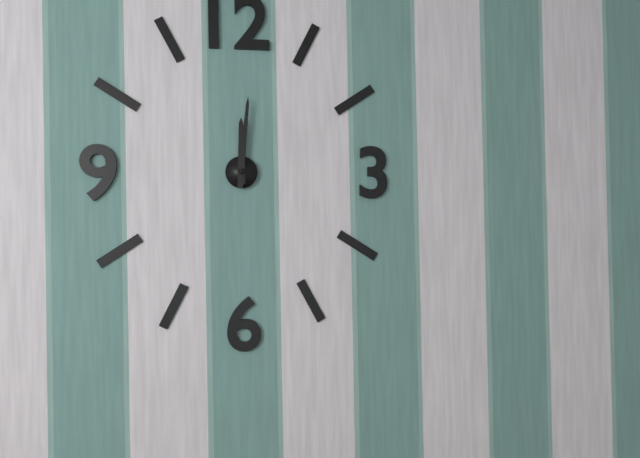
12.01
